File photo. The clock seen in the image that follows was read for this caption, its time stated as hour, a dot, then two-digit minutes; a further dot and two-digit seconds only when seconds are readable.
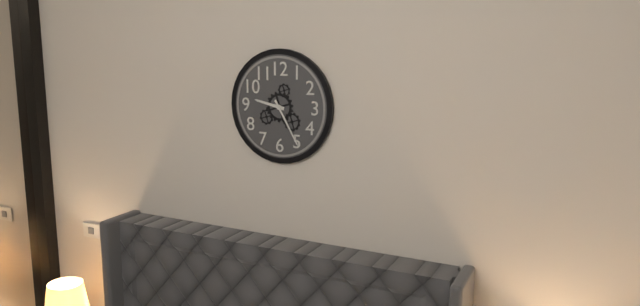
9.25
